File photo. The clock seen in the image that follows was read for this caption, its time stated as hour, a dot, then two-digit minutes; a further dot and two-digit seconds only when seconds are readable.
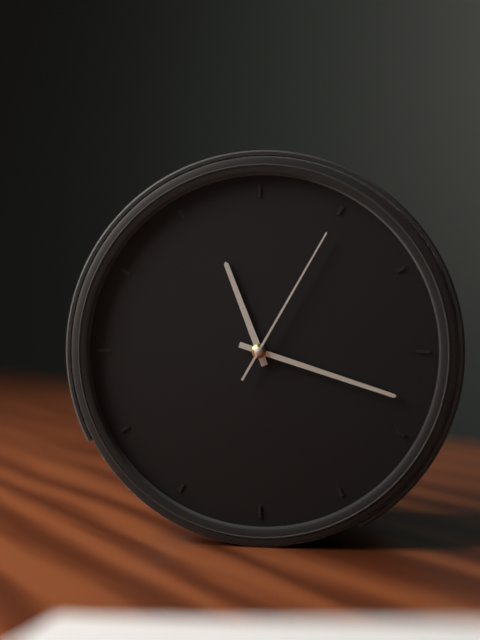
11.18.05
